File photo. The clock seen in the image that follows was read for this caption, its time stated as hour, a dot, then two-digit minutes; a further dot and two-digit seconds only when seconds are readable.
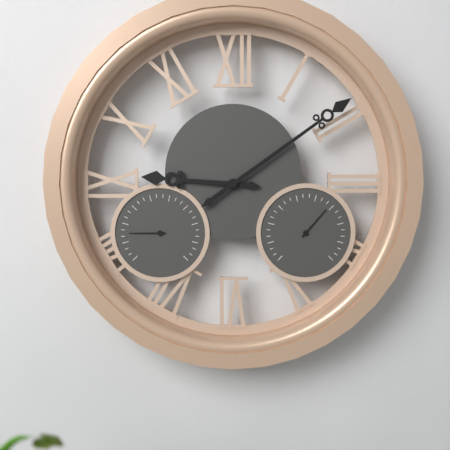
9.09
